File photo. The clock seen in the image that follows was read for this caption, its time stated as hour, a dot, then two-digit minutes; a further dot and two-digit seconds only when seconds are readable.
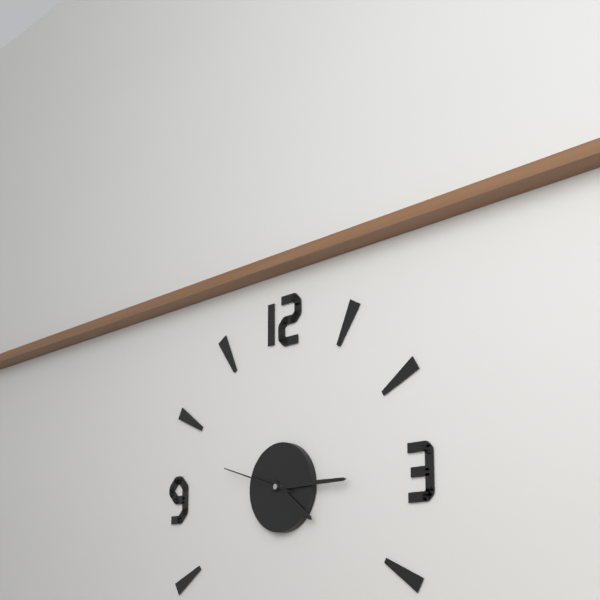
4.15.48
